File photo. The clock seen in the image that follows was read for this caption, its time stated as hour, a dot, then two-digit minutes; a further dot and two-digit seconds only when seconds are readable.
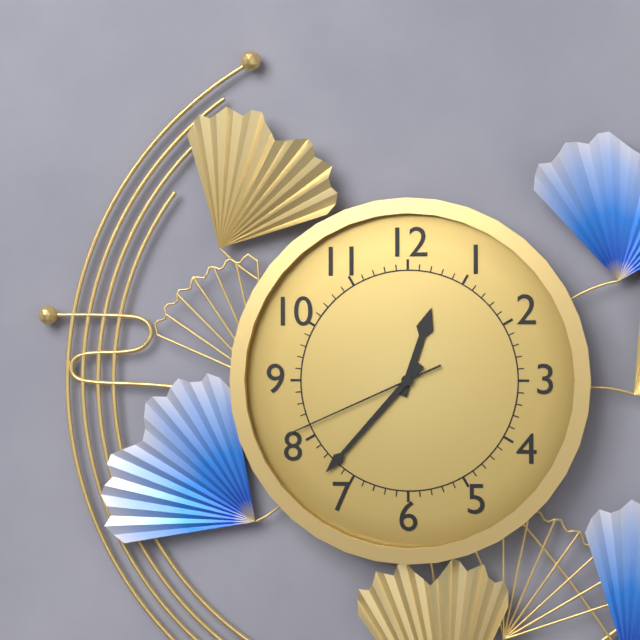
12.37.41
